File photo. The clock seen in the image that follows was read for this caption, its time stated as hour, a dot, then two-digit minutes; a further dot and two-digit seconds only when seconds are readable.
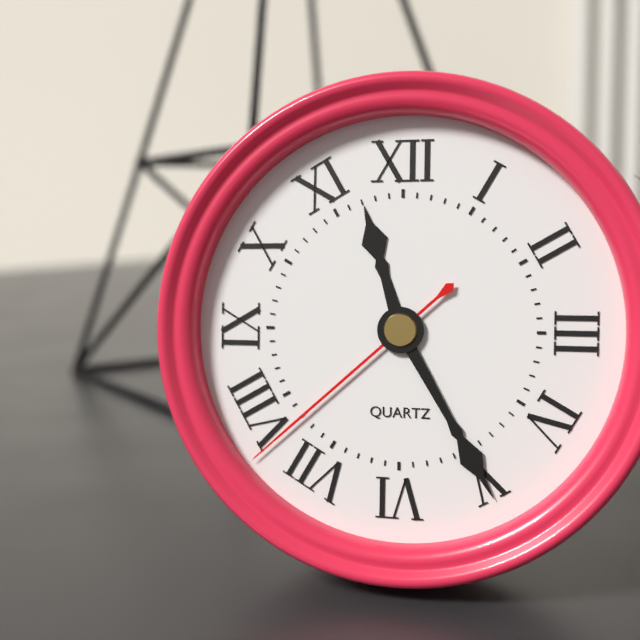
11.25.38
